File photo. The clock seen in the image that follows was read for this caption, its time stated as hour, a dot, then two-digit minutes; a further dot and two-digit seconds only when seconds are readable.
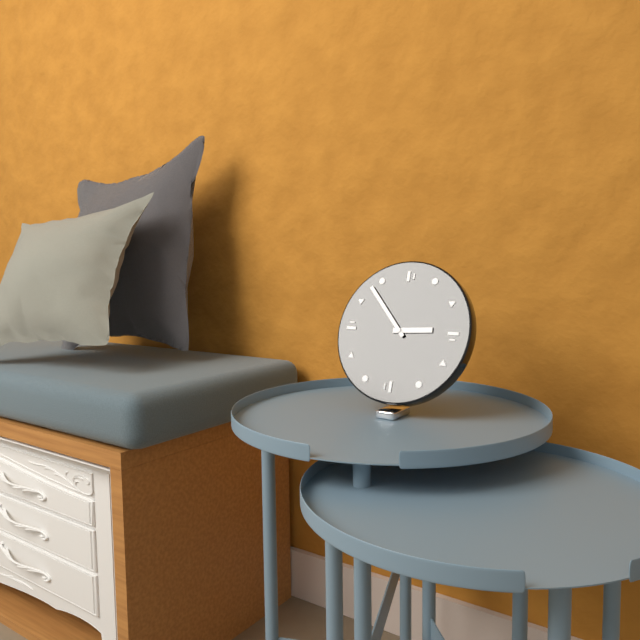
2.53
